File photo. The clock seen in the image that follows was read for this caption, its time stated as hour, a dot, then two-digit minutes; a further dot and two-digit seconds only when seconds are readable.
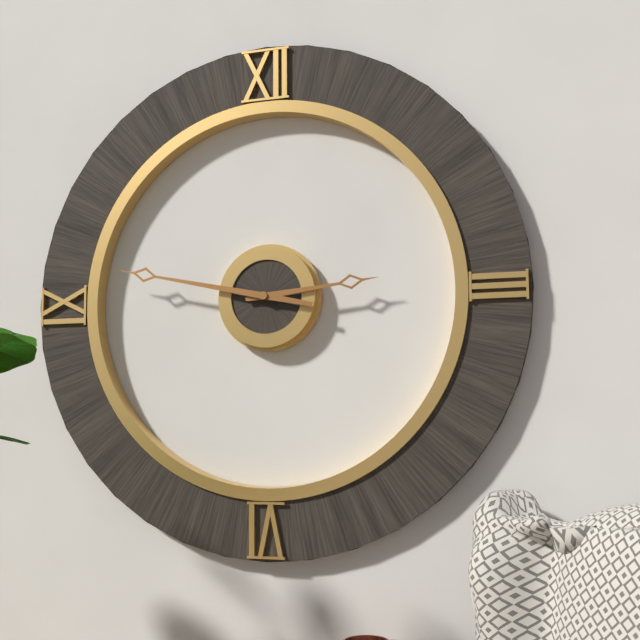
2.47
